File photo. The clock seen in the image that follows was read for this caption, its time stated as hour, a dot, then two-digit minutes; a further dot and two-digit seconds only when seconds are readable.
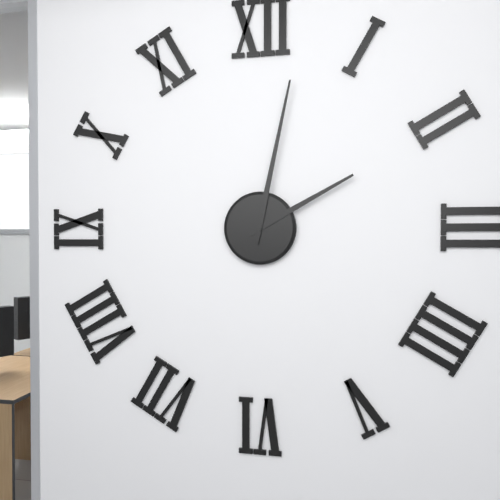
2.02
